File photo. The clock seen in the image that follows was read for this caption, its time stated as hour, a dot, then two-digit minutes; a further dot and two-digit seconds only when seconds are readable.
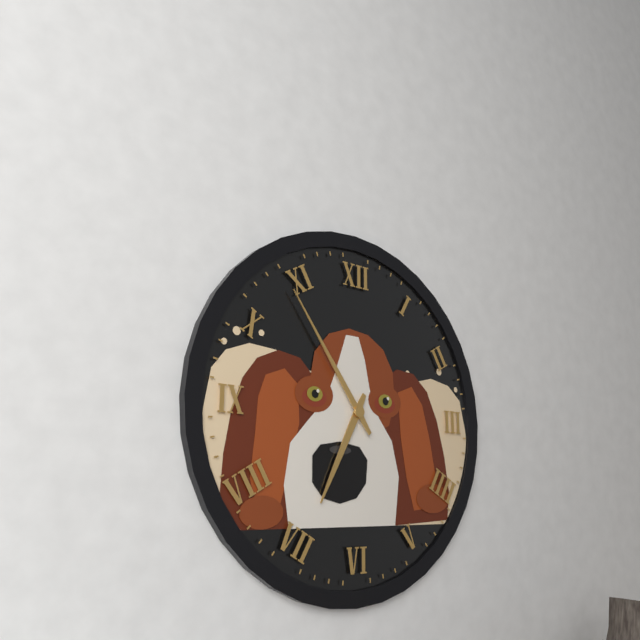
6.54
